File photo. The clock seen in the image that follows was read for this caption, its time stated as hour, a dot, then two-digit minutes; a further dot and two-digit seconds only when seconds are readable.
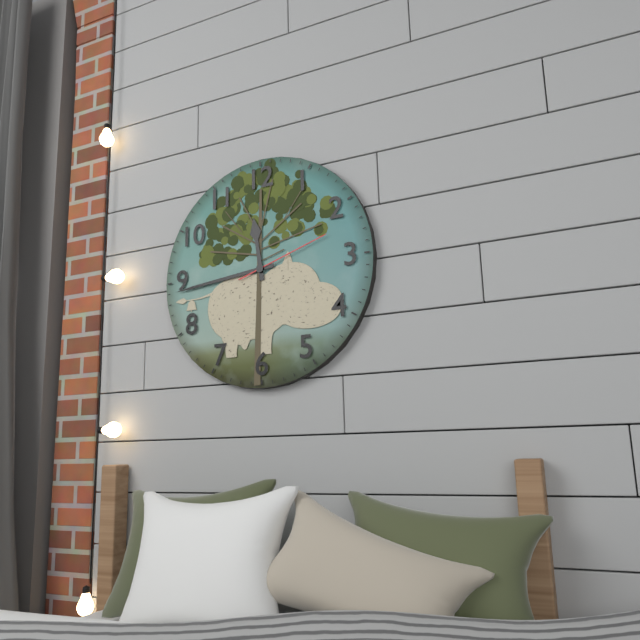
11.44.12
